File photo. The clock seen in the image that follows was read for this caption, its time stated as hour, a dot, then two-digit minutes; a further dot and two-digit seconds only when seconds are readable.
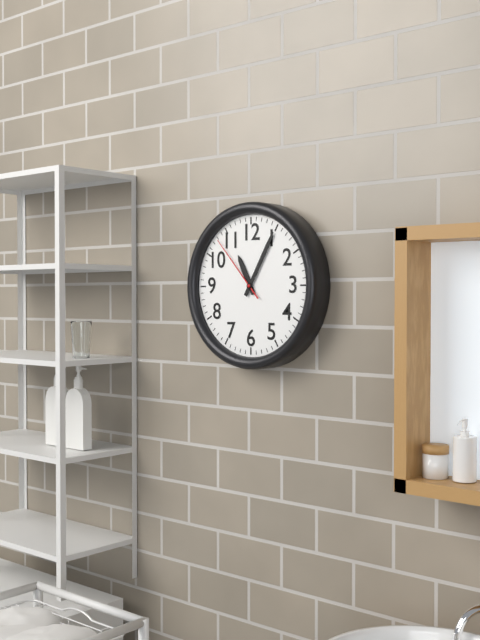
11.05.53
